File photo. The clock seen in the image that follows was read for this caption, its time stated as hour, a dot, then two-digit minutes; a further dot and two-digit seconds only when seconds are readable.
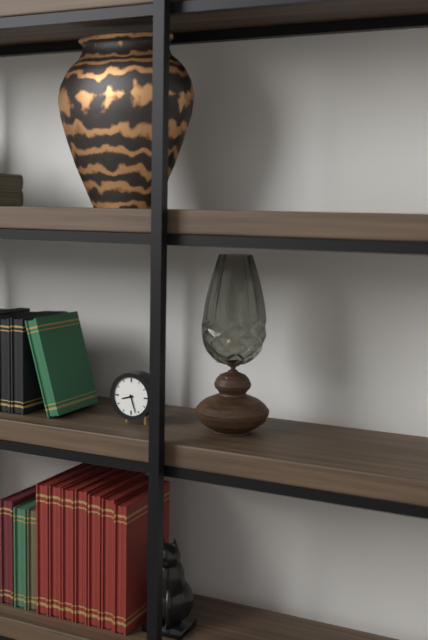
8.27
